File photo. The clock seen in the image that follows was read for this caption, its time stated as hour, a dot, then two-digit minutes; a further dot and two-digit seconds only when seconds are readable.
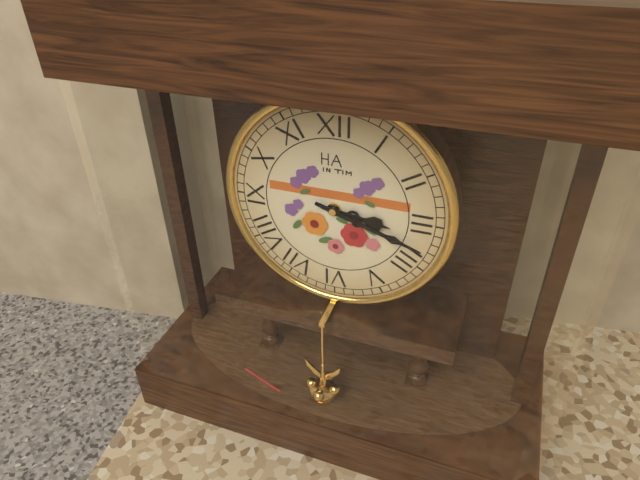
3.18
